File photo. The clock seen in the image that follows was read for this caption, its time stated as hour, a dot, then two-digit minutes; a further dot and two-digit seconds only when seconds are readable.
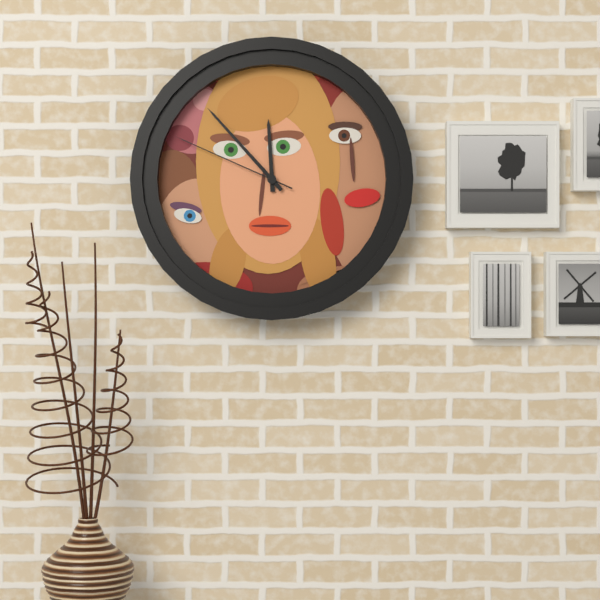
11.53.49
